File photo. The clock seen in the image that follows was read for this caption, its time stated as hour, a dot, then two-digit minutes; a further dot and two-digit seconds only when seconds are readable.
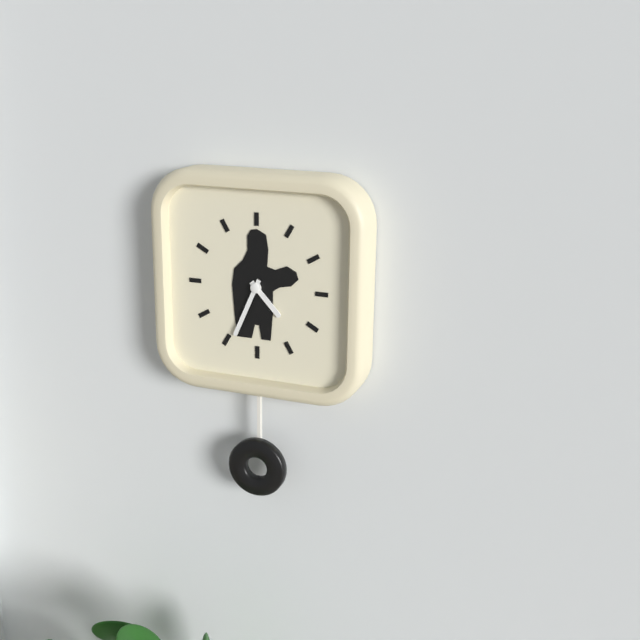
4.34
